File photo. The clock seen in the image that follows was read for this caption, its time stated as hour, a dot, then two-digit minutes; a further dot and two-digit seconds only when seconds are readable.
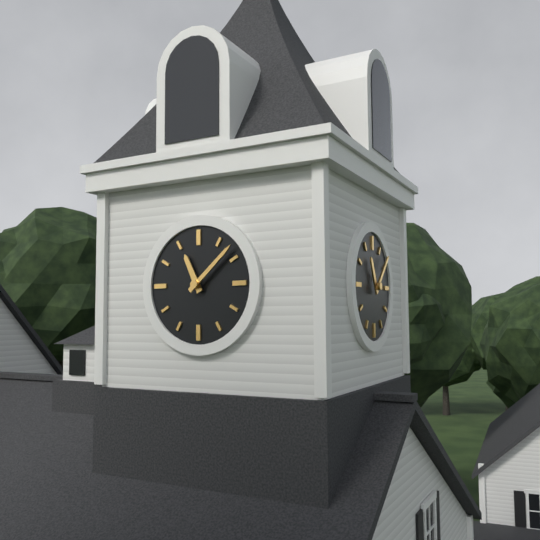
11.08
